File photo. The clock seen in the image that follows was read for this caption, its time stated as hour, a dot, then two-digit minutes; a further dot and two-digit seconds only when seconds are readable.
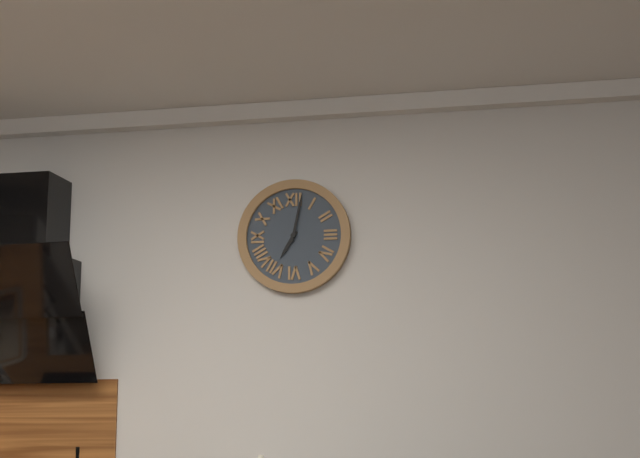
7.02
